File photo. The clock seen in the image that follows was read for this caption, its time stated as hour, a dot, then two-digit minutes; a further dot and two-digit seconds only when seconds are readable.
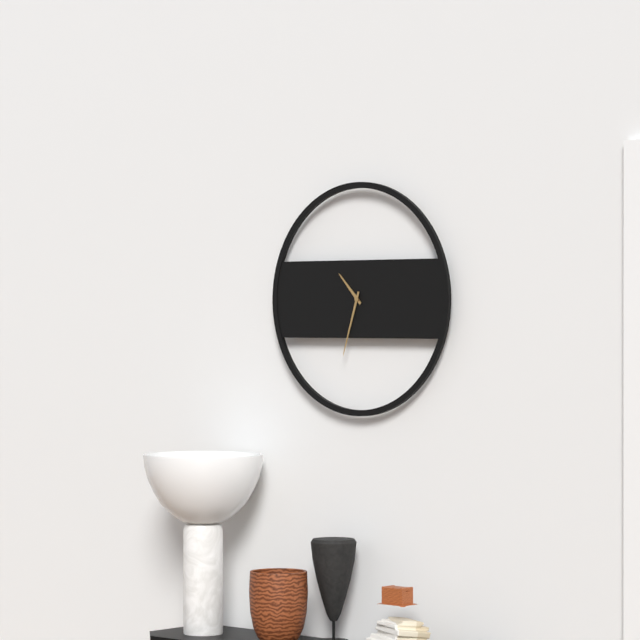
10.33
